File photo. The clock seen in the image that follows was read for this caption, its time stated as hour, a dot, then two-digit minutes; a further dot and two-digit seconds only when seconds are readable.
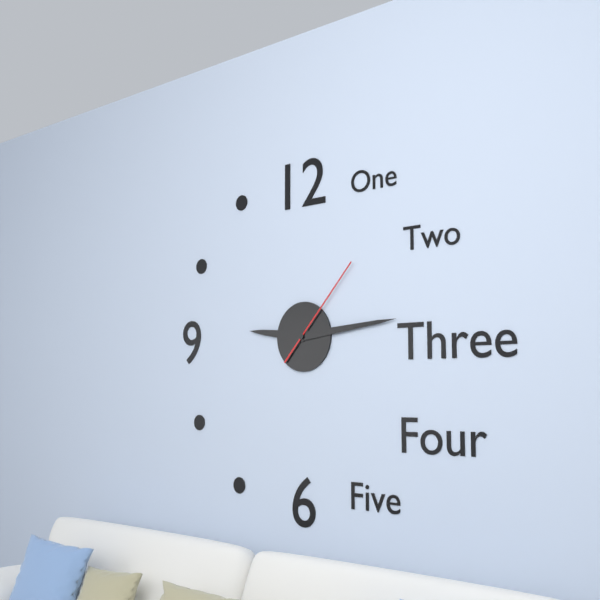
9.14.07
